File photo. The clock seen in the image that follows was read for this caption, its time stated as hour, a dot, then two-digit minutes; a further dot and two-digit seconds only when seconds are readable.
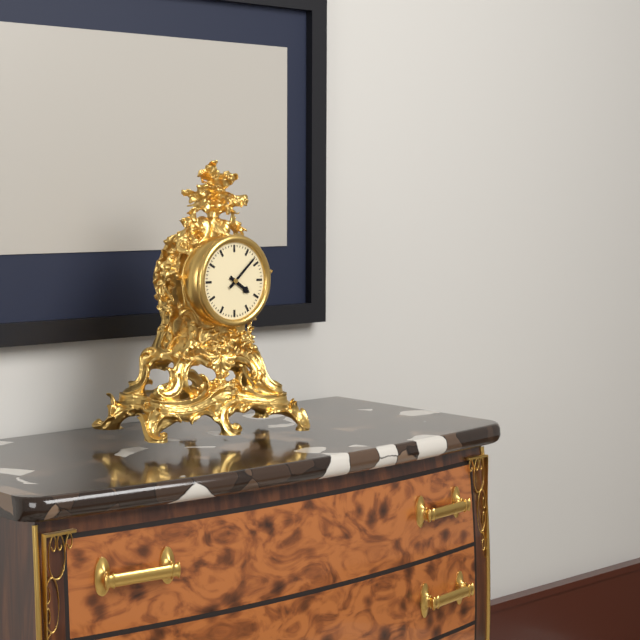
4.08
